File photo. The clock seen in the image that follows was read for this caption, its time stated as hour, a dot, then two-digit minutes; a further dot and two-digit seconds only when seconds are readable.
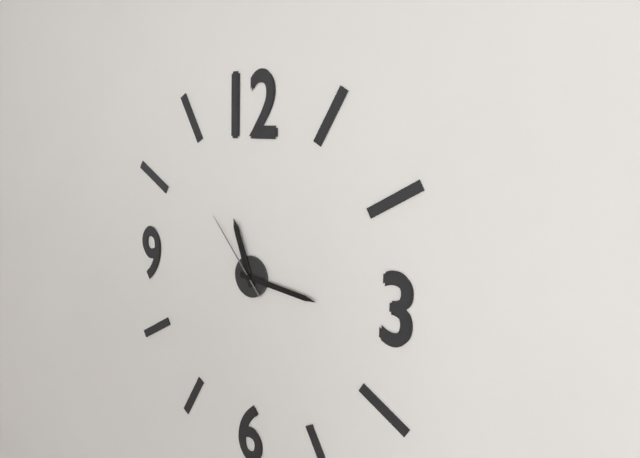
11.16.53
